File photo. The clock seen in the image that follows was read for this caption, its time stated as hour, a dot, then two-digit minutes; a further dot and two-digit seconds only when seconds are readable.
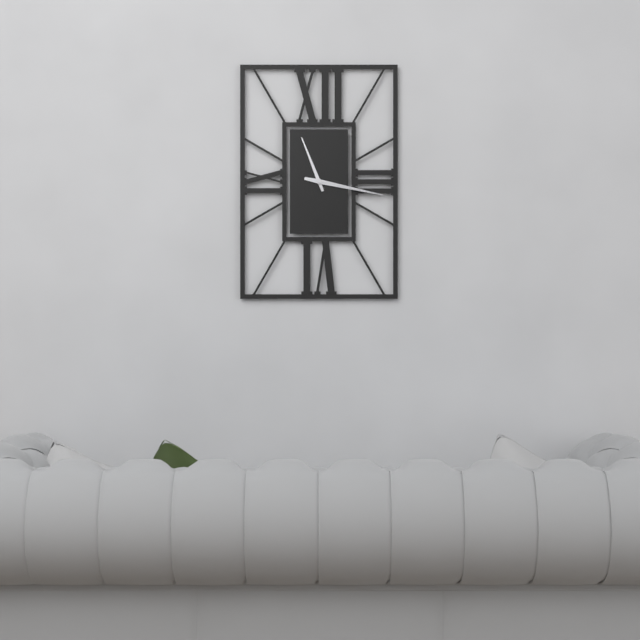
11.17
